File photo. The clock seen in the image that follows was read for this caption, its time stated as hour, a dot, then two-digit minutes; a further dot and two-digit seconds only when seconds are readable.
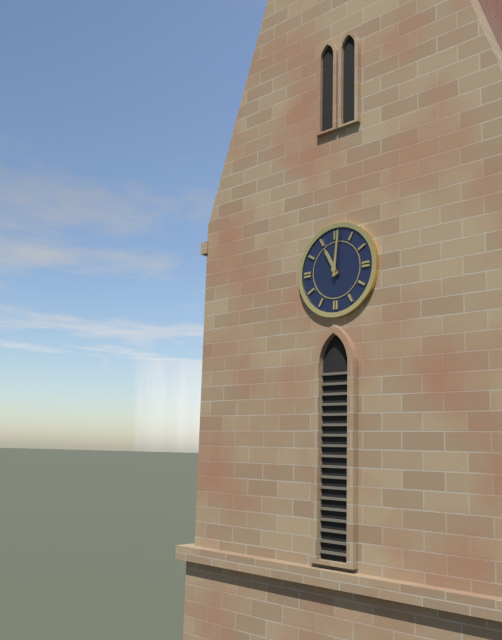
11.01
